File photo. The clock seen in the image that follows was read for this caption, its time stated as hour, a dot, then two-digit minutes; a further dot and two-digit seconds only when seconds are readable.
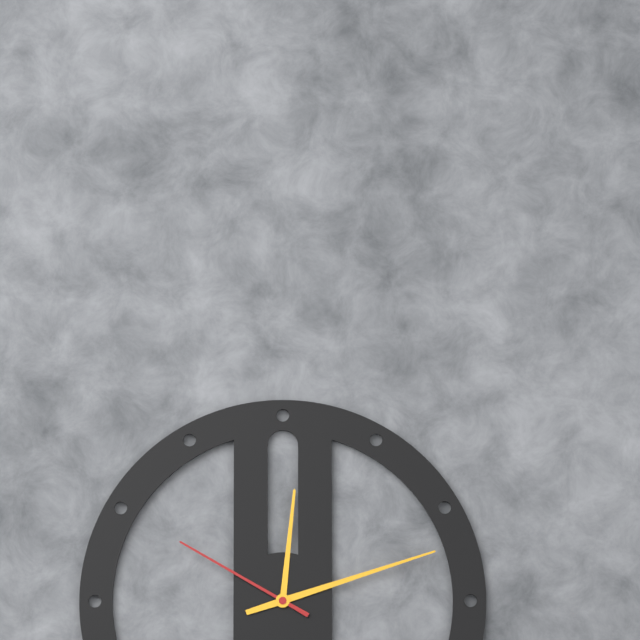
12.12.50
